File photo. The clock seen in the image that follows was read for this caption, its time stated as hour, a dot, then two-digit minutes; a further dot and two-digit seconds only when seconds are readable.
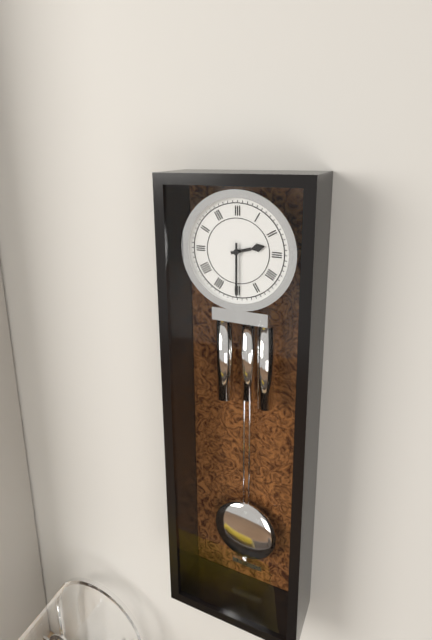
2.30
